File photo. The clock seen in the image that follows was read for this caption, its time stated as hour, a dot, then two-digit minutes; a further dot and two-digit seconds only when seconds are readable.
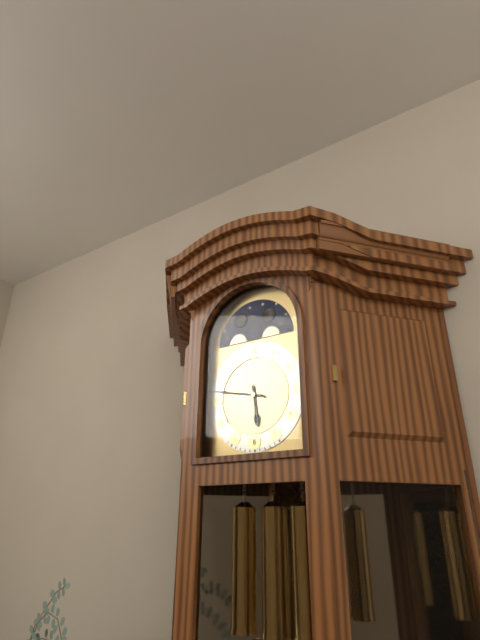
5.47
